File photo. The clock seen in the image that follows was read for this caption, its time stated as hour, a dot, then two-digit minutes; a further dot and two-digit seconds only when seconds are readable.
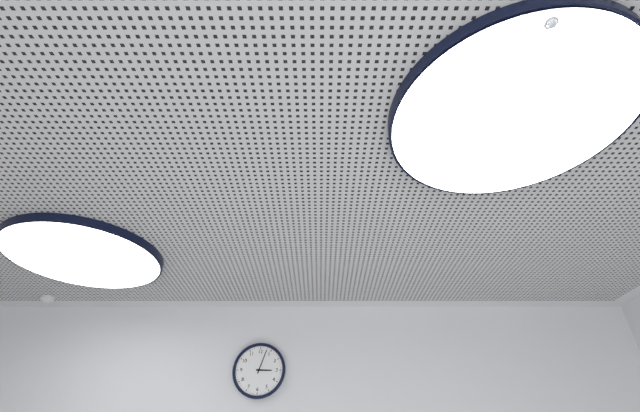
3.03
